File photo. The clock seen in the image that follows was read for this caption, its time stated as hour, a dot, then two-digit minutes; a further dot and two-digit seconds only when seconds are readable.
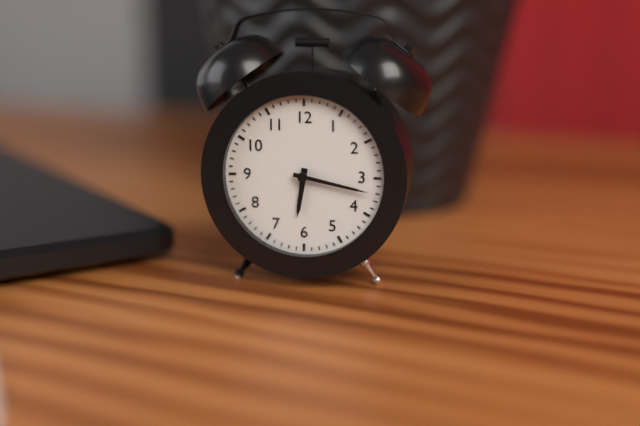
6.17
